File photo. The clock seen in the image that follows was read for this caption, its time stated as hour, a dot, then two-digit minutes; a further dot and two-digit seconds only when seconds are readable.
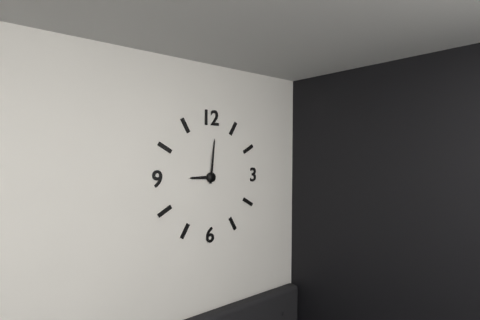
9.01
